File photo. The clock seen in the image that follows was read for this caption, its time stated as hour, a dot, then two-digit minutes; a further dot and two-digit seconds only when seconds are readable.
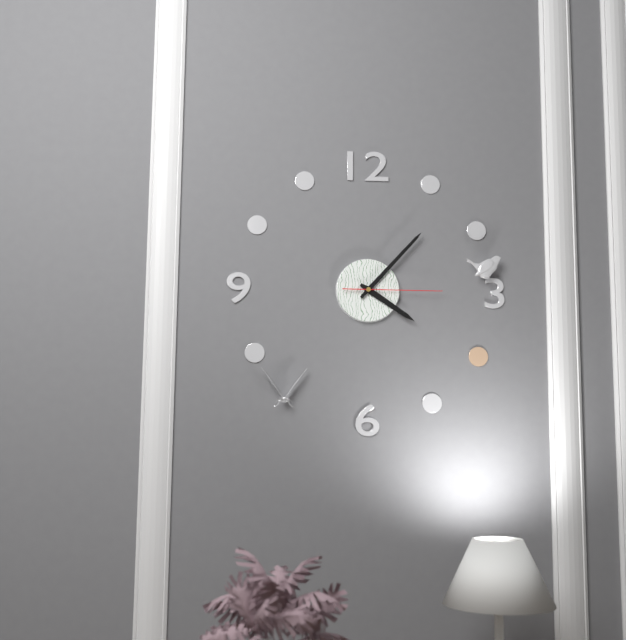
4.07.15
